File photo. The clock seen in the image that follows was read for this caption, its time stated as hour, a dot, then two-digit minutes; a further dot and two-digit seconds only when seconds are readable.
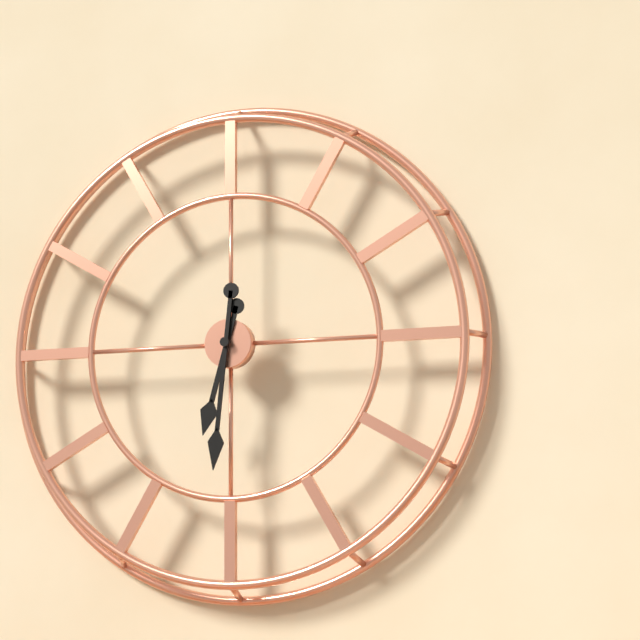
6.31
